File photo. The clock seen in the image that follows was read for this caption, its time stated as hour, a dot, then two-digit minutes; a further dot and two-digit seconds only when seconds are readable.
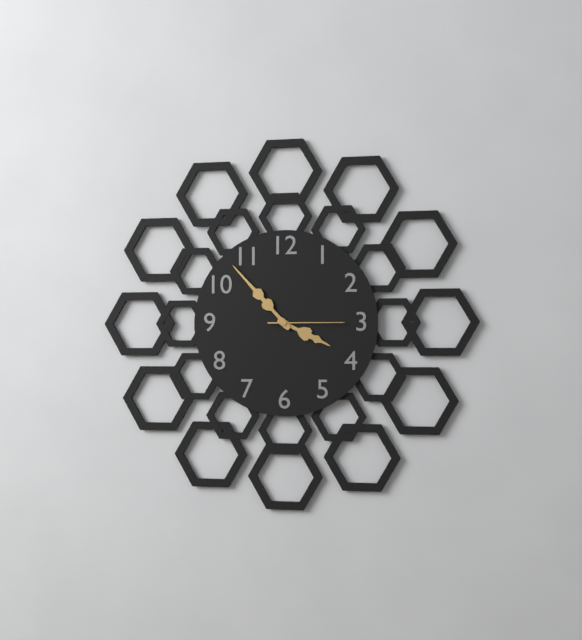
3.53.15
